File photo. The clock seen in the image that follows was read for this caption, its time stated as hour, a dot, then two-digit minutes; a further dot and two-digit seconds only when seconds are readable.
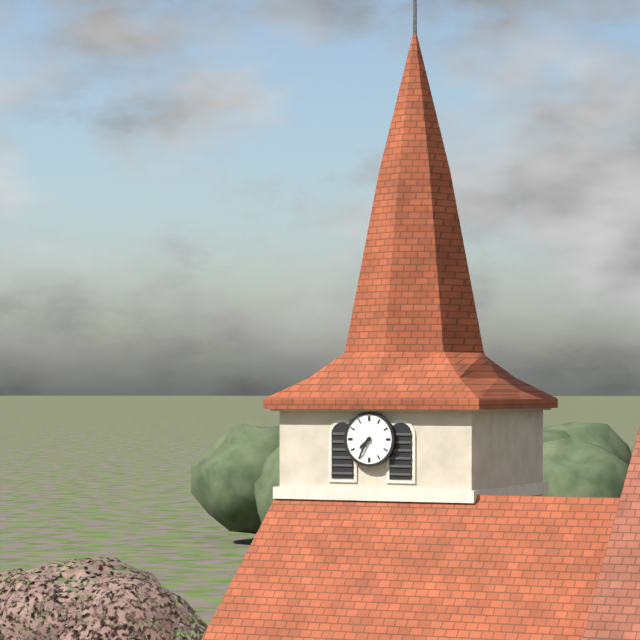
7.35
